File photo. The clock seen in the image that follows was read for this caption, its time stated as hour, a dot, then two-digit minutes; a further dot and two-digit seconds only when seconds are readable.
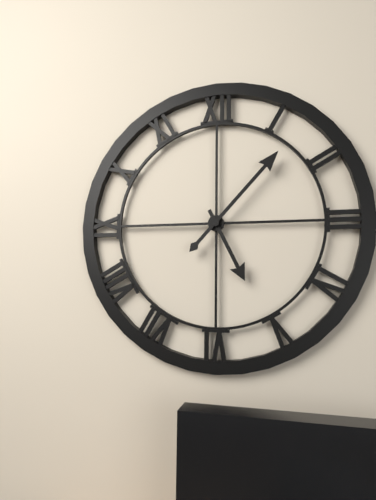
5.07
